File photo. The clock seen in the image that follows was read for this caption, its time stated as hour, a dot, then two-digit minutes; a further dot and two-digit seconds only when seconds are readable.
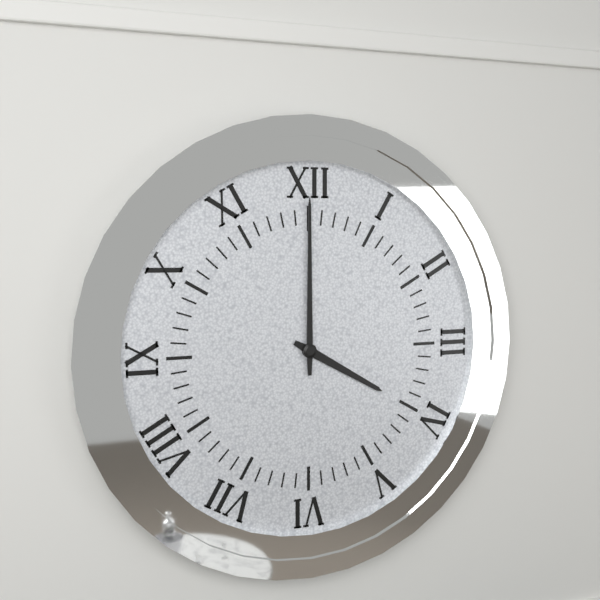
4.00
